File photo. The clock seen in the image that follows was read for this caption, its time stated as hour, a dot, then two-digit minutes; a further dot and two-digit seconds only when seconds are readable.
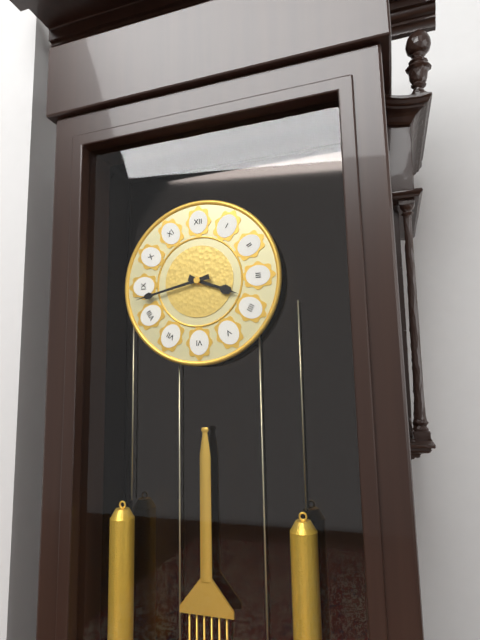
3.43
